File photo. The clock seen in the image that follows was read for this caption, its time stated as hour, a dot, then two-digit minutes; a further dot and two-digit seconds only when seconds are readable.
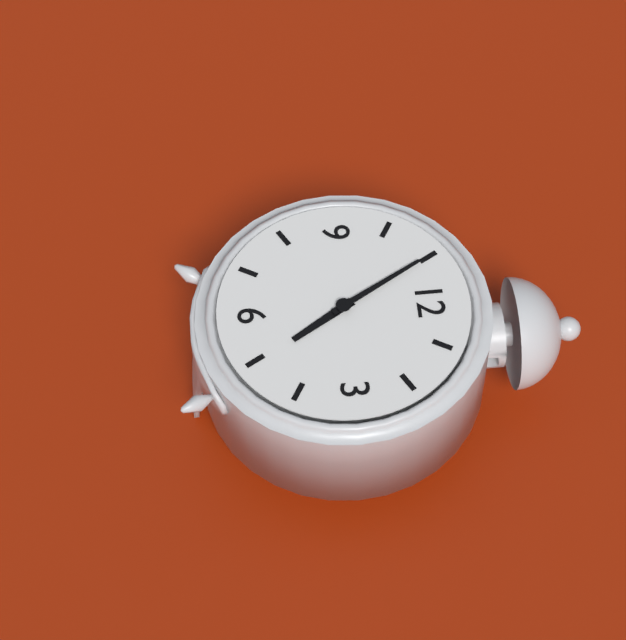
4.55
